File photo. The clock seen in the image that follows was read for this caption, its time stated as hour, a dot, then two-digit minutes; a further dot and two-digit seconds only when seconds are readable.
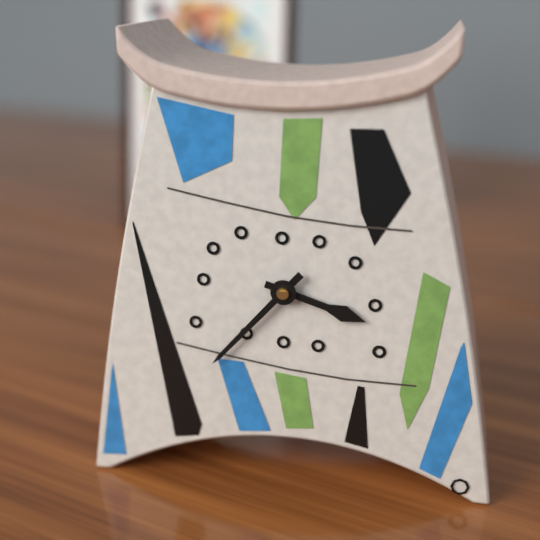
3.37
